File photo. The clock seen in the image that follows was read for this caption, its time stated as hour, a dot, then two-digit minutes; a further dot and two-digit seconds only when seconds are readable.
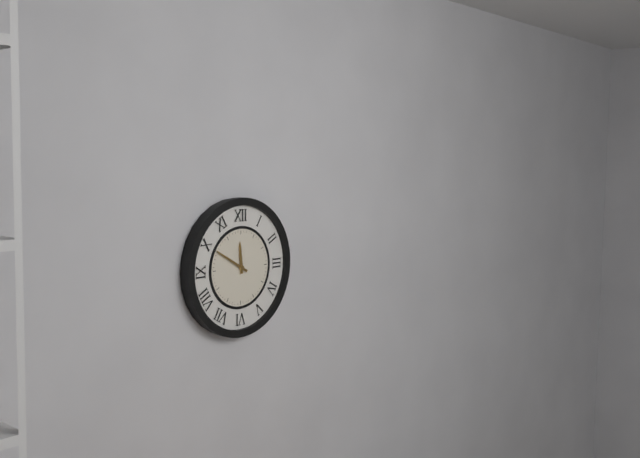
11.50
